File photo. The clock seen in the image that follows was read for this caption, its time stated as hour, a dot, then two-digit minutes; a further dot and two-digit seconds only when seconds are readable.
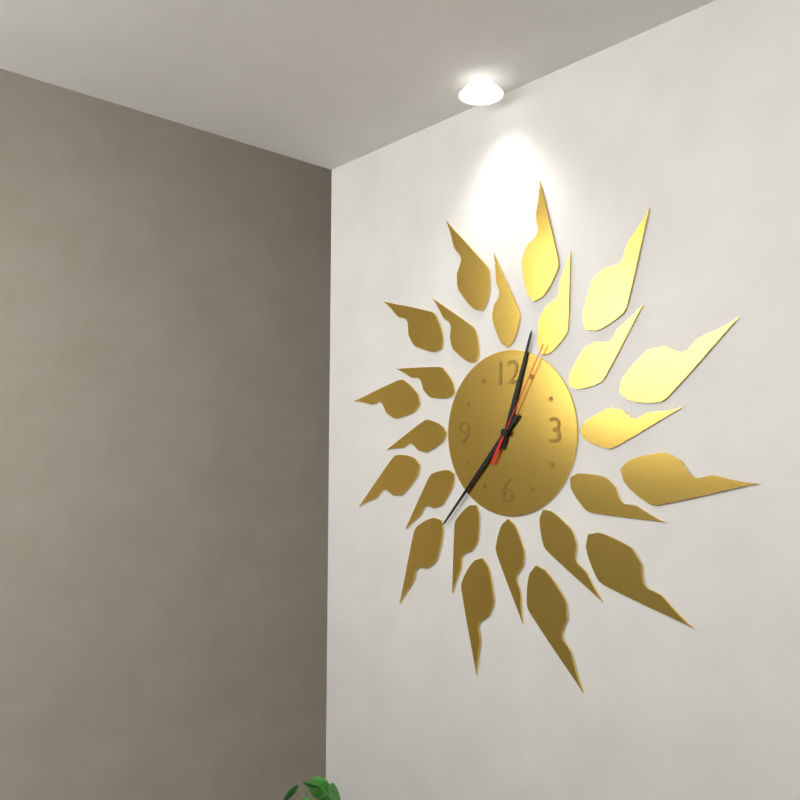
12.37.05
